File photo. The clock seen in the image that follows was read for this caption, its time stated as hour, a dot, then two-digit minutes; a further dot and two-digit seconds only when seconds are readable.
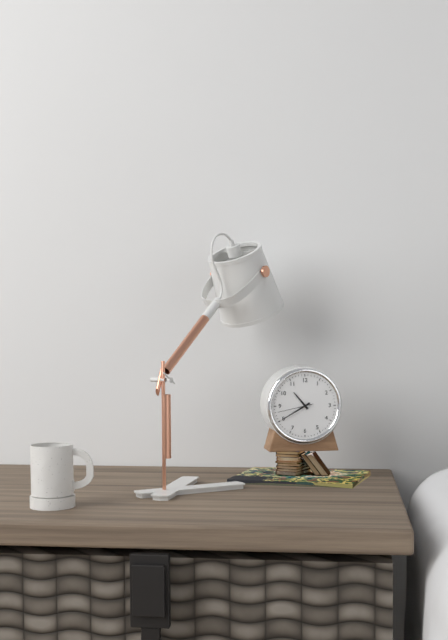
10.40
